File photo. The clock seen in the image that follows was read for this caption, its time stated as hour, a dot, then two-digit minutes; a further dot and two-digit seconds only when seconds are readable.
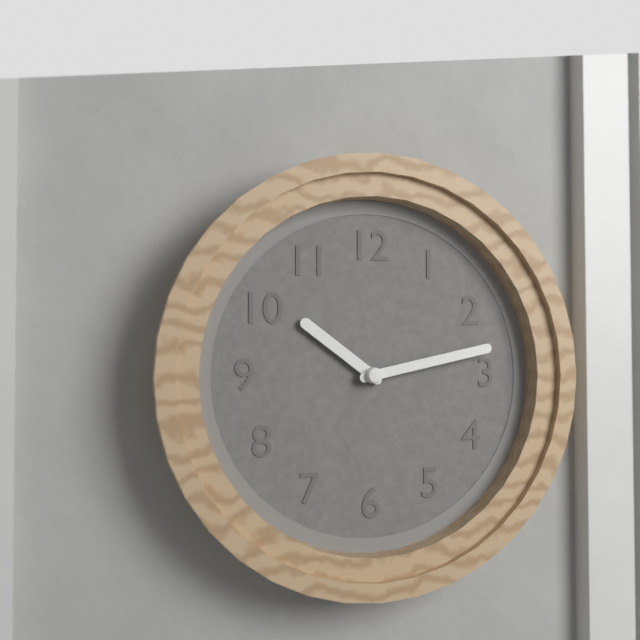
10.13
